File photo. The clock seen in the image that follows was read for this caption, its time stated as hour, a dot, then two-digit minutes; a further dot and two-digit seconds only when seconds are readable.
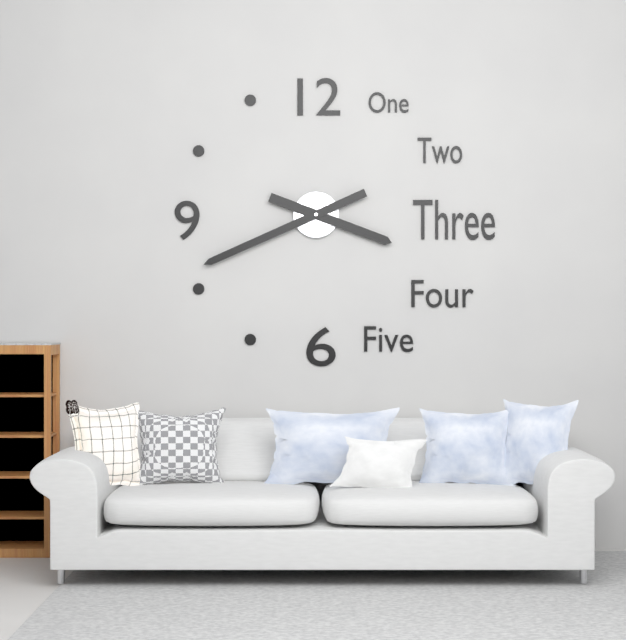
3.41
